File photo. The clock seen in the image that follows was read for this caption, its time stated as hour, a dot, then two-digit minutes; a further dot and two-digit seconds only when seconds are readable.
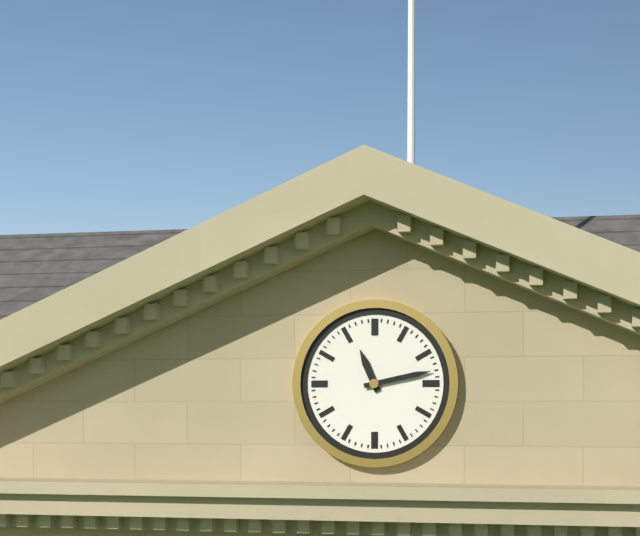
11.13
